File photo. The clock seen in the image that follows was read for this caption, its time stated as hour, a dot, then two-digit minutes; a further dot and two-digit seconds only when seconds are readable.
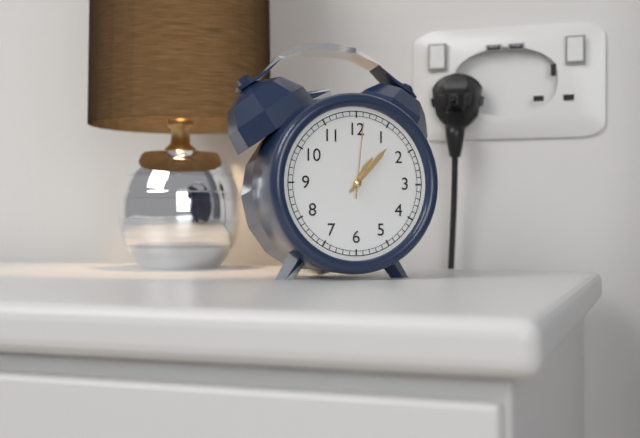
1.07.01
